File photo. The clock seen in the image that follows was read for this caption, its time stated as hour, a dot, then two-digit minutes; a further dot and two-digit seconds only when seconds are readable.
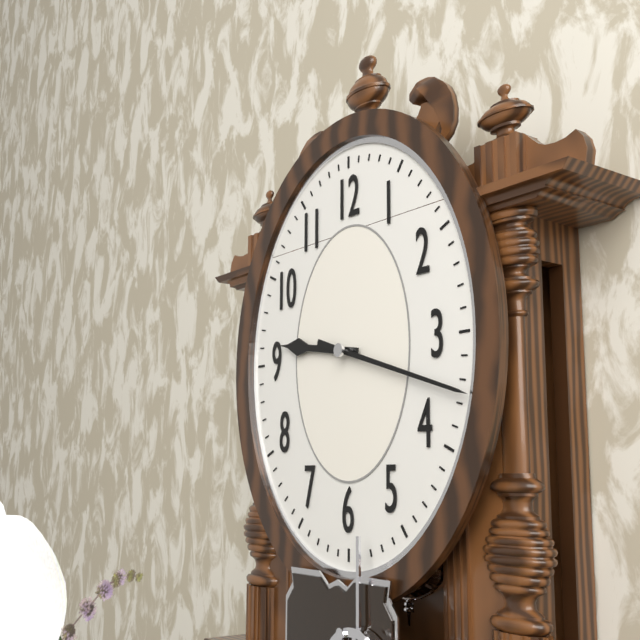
9.18
